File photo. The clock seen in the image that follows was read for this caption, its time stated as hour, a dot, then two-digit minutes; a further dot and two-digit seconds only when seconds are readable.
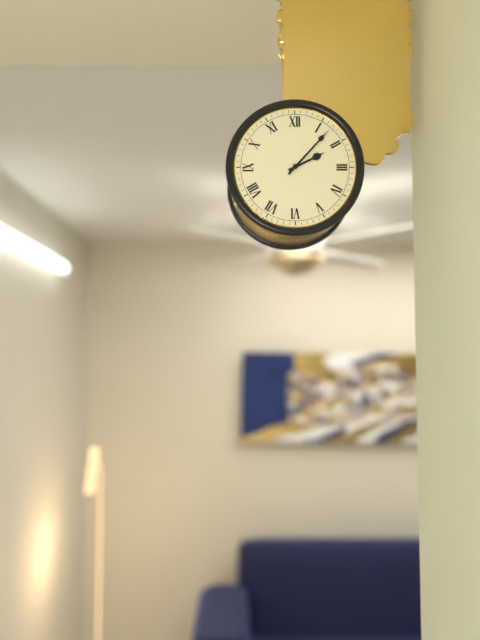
2.07
